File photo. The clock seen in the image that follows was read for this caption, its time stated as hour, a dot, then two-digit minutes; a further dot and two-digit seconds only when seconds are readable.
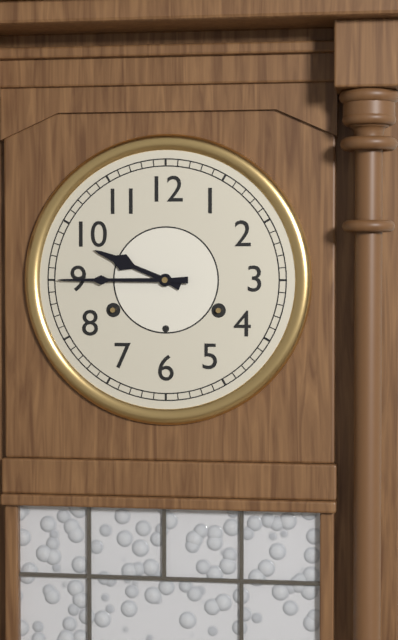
9.45
